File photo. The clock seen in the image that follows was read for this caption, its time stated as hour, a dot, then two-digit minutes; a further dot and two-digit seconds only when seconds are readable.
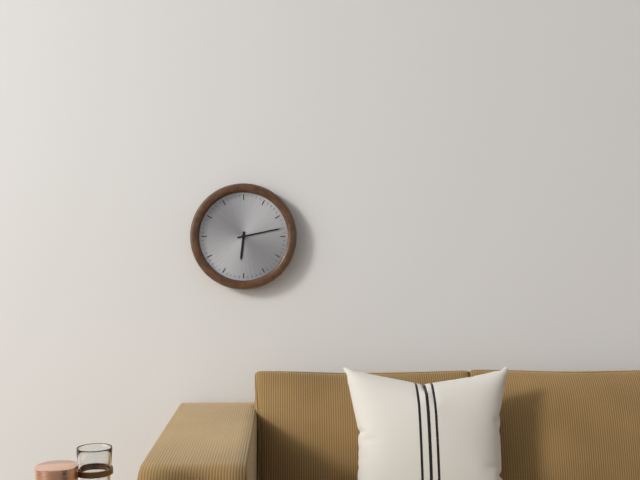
6.13
